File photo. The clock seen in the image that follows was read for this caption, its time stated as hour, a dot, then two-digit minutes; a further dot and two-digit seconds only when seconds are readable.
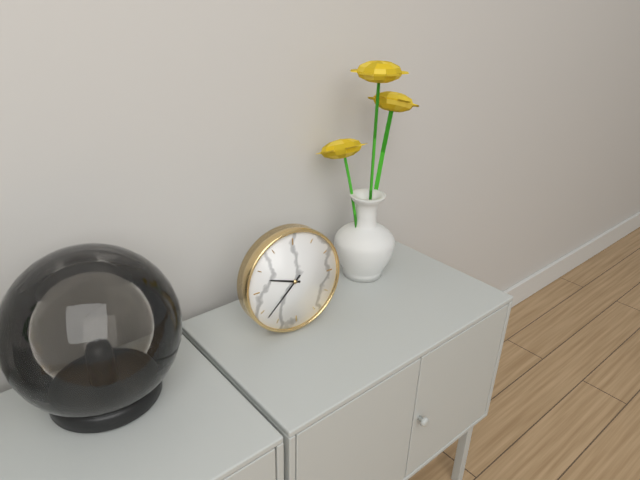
9.38
